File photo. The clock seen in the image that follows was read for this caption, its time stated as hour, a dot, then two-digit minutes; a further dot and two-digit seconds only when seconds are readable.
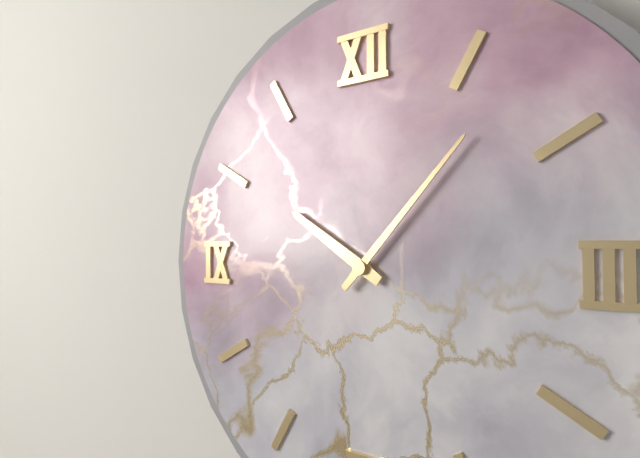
10.07
